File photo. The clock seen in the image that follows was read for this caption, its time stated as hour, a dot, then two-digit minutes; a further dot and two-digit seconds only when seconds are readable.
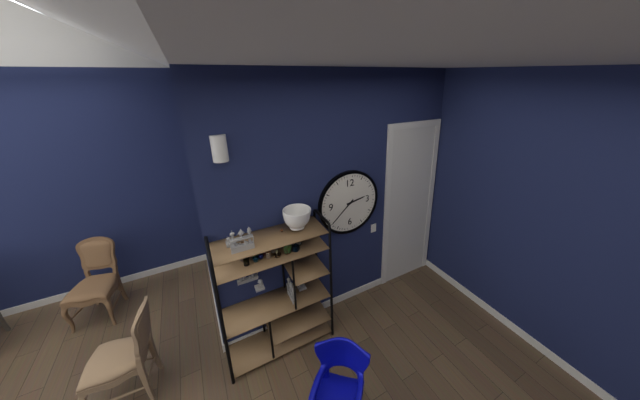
2.38
